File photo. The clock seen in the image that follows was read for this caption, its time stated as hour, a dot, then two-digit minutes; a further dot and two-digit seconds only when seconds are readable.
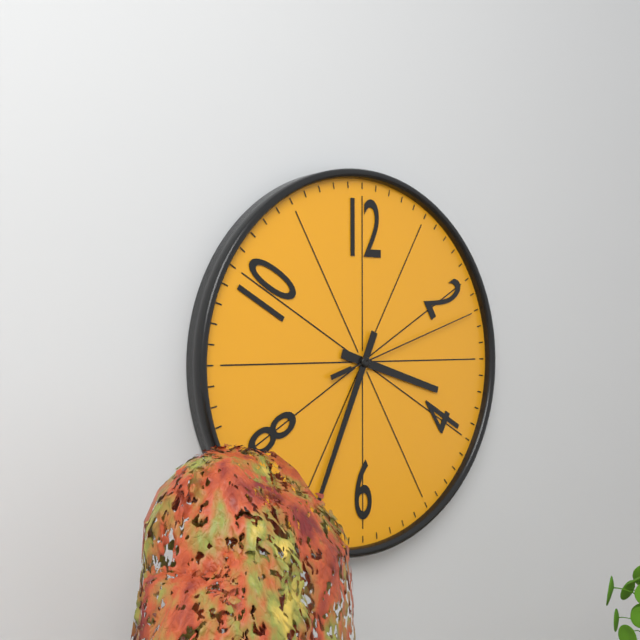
3.34.12
